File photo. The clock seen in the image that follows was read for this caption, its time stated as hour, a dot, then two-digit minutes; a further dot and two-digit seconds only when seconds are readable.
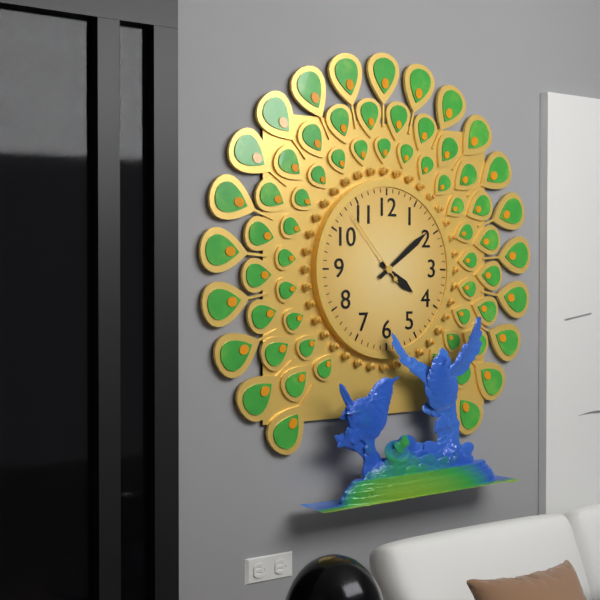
4.09.53
